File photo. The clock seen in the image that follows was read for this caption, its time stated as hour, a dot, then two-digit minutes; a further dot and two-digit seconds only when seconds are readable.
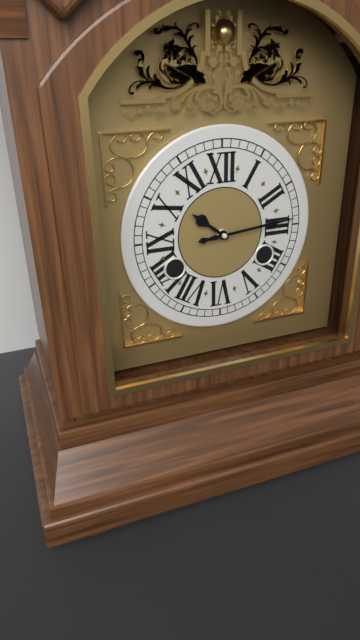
10.14
